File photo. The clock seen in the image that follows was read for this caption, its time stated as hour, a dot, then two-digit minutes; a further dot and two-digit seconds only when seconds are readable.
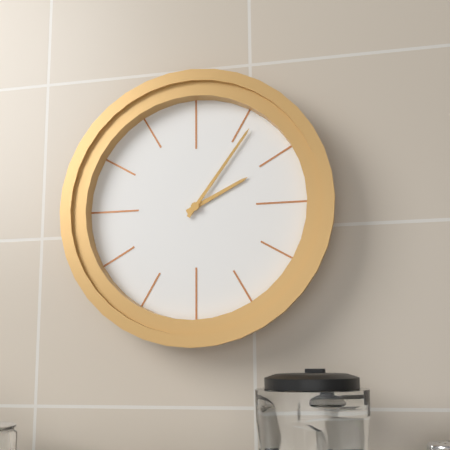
2.06
